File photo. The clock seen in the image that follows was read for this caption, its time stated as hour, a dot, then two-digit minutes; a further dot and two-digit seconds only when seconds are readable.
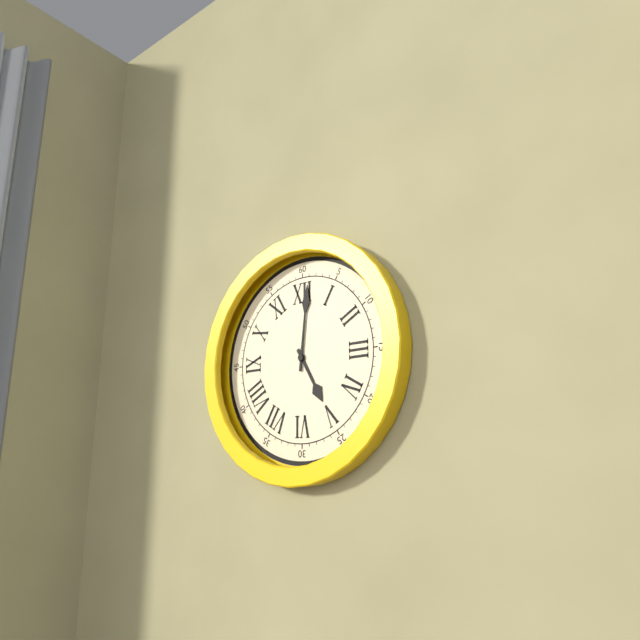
5.01
